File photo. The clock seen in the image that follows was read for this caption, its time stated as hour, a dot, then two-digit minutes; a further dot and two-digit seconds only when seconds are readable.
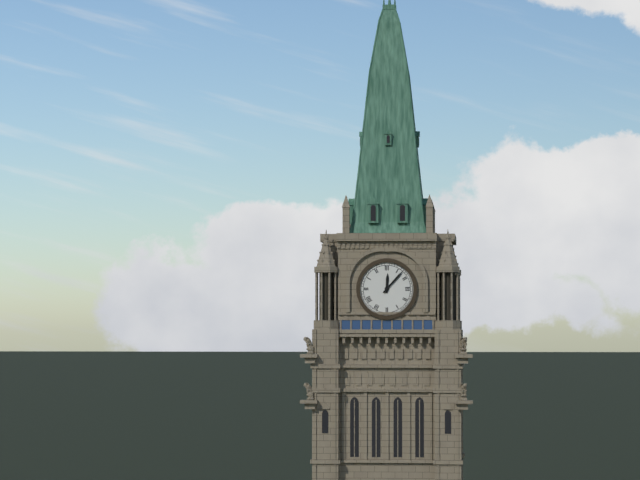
12.07
